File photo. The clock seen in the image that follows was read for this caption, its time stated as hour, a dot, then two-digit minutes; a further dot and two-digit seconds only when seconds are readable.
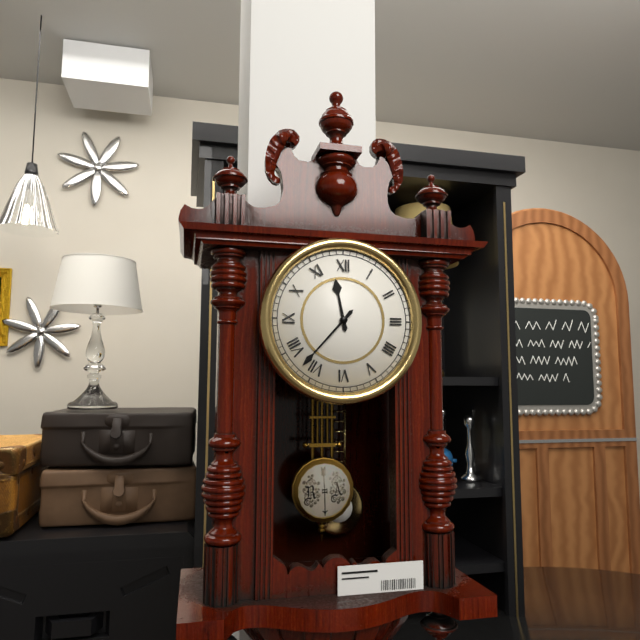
11.37
